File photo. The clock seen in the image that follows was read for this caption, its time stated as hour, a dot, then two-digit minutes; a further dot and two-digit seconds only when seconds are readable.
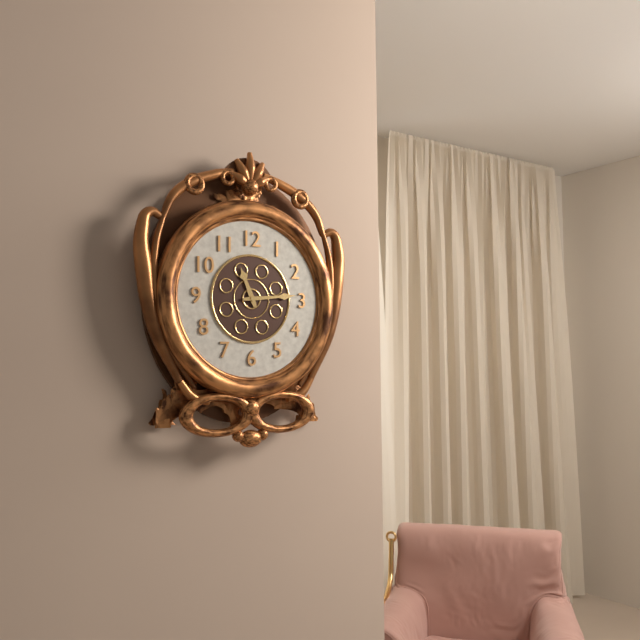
11.14
